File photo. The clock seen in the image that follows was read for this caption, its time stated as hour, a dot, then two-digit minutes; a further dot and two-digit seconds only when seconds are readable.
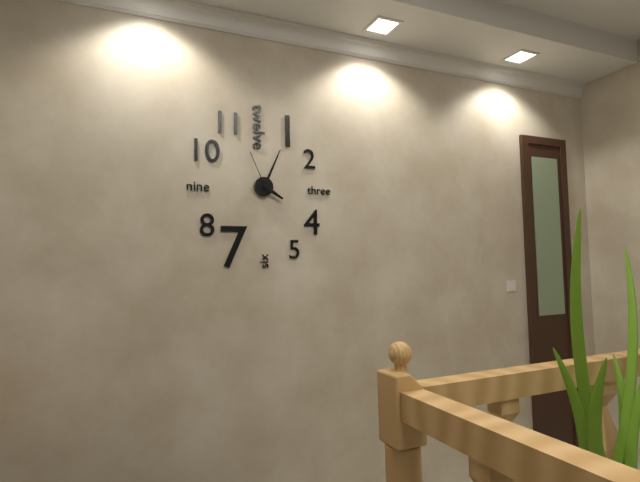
4.04
